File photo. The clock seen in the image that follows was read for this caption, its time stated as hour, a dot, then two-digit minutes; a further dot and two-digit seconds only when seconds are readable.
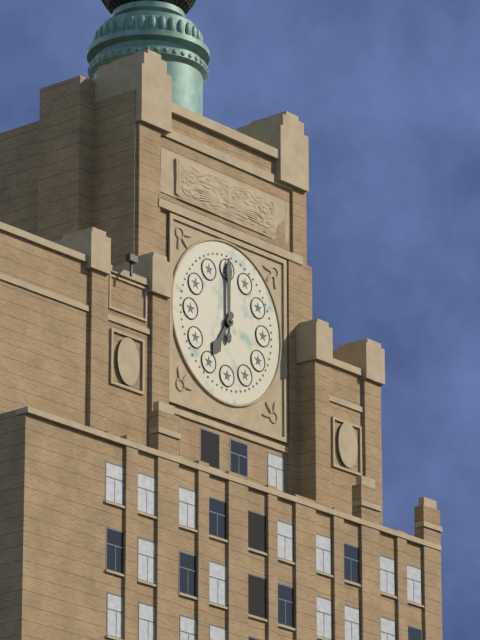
7.00
